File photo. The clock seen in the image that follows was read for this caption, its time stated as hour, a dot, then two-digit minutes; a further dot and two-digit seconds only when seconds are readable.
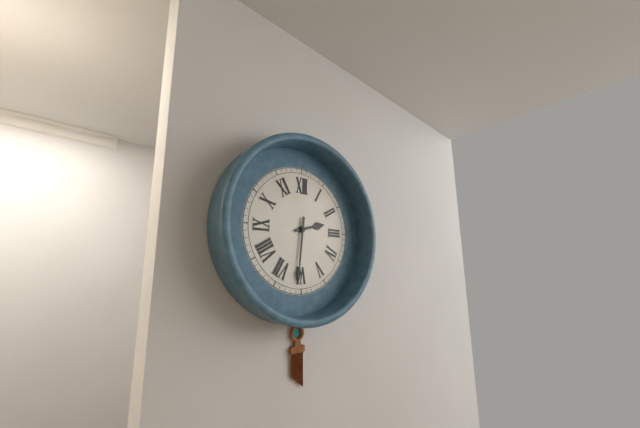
2.31
